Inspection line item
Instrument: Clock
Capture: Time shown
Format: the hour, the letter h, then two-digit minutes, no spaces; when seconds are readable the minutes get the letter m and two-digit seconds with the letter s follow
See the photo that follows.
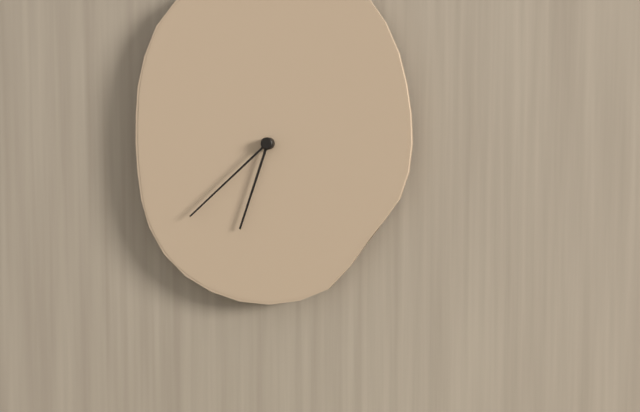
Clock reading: 6h38
